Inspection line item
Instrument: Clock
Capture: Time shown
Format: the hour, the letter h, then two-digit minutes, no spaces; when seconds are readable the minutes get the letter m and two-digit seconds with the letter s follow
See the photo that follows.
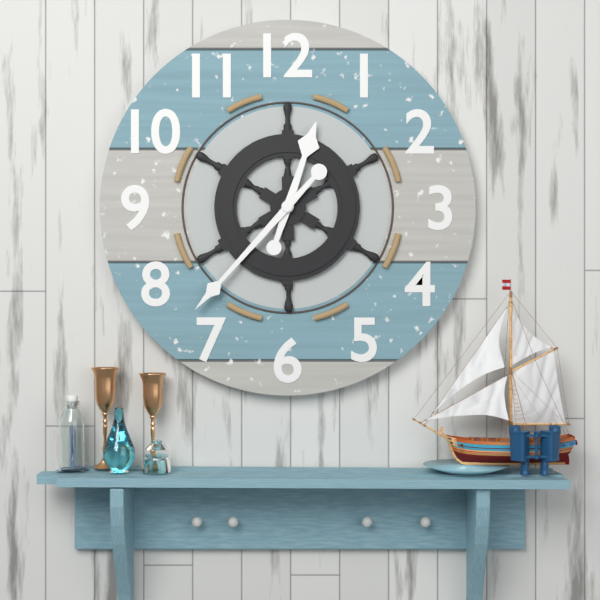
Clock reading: 12h37
